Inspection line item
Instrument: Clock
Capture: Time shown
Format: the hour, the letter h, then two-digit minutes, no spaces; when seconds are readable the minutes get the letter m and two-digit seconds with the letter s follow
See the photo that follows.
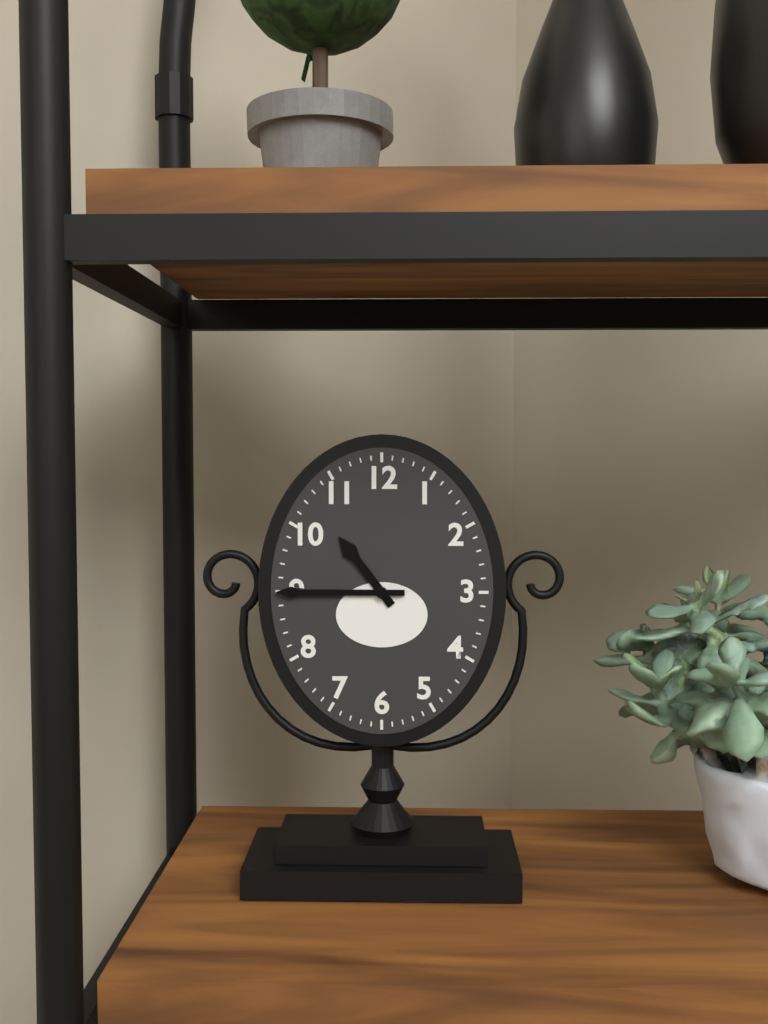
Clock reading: 10h45
